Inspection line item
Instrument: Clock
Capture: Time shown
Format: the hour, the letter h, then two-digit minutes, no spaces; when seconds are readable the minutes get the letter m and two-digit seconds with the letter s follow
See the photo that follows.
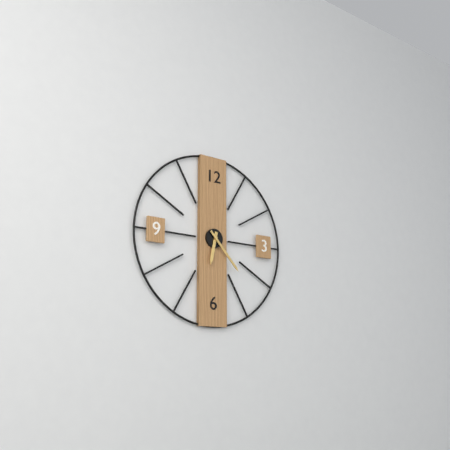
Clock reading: 6h23
